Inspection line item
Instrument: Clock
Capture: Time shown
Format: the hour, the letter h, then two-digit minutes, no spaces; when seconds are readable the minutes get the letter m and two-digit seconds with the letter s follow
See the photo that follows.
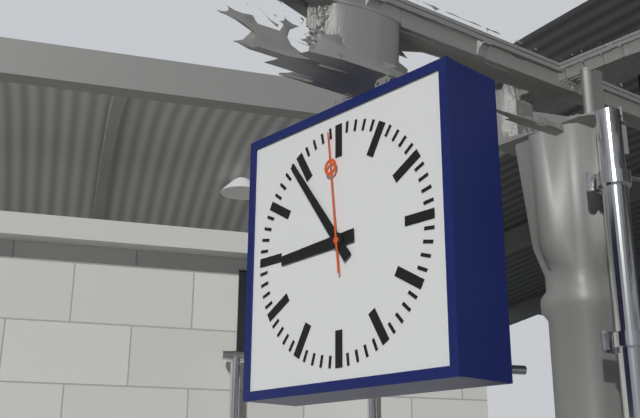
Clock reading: 8h54m59s
